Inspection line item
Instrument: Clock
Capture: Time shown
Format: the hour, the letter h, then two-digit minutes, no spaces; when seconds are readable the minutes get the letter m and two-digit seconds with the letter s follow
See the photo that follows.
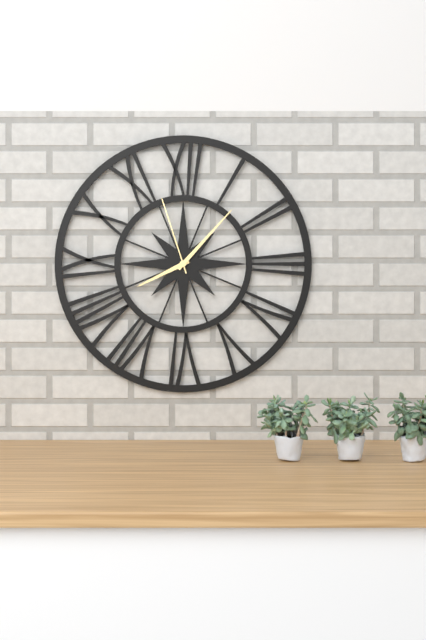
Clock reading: 8h07m57s
